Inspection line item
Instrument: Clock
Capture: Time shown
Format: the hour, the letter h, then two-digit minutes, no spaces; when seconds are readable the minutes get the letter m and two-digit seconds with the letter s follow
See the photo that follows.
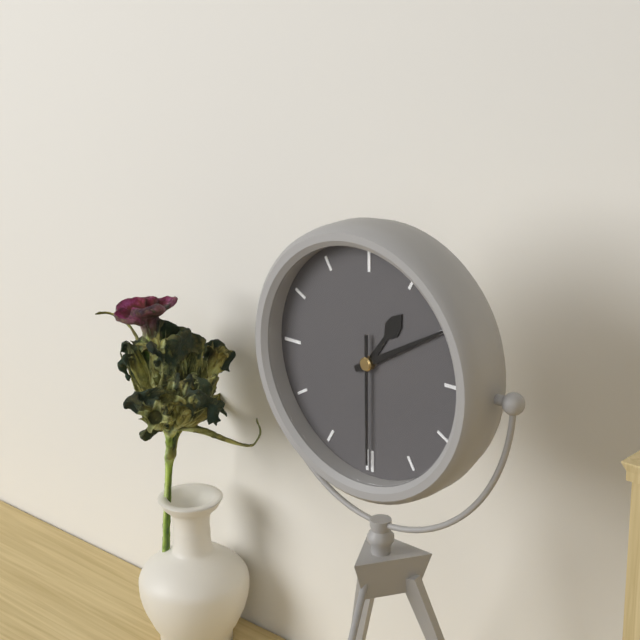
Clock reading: 1h10m30s
